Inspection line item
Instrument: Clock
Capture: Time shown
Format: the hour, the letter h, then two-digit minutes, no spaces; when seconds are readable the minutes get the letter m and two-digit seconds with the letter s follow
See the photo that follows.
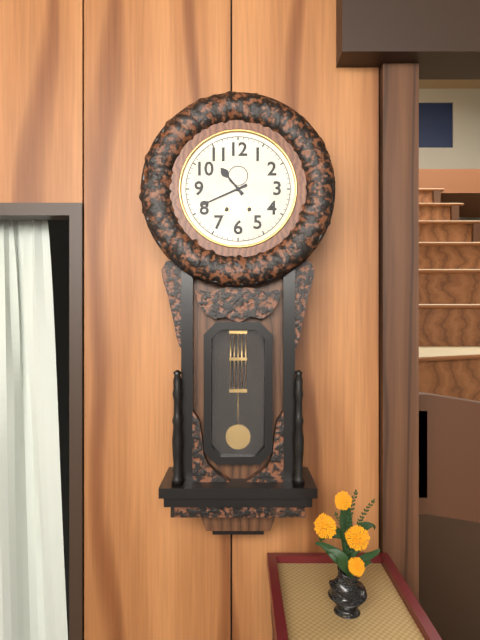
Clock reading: 10h41
